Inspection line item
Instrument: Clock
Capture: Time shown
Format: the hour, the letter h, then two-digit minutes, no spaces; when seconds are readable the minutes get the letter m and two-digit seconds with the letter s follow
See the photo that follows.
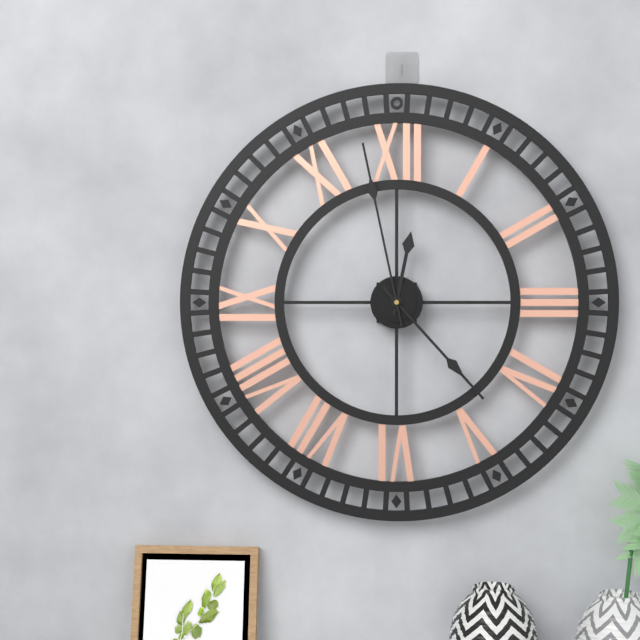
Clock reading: 12h23m58s
